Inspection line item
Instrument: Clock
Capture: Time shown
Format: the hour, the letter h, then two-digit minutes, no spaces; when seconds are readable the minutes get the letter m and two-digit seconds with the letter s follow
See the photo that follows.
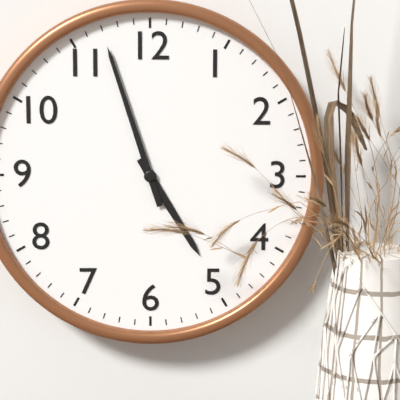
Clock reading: 4h57
